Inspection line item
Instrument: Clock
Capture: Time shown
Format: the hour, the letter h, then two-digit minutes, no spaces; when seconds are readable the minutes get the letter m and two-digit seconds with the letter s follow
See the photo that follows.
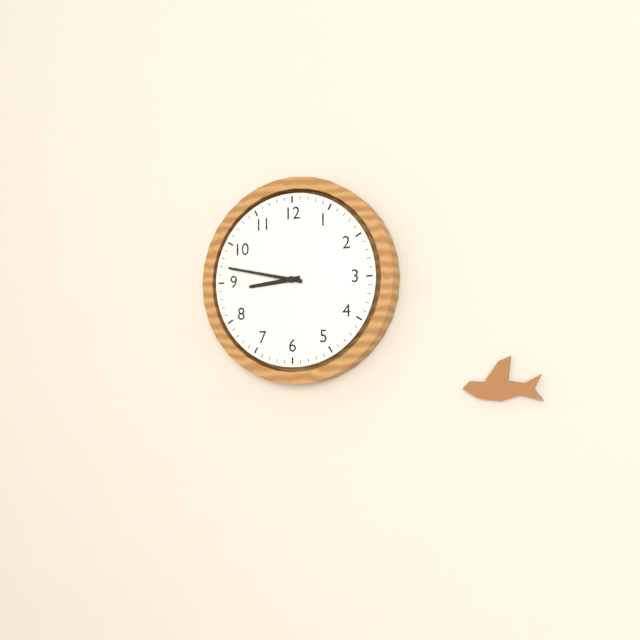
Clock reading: 8h47
